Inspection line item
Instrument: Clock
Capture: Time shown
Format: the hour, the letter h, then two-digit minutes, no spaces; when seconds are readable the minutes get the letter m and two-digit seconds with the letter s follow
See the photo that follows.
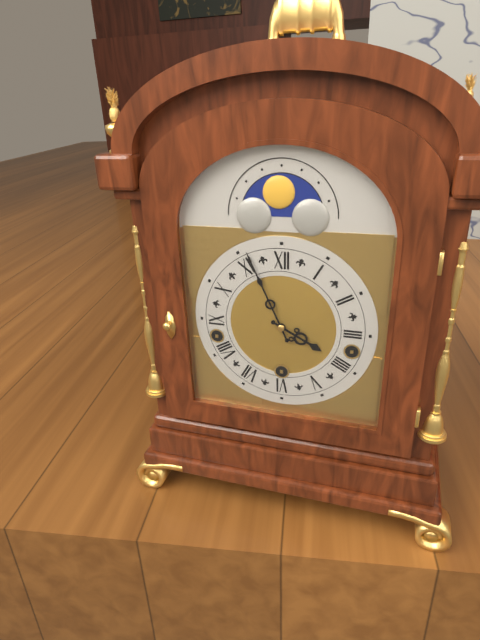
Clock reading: 3h56
